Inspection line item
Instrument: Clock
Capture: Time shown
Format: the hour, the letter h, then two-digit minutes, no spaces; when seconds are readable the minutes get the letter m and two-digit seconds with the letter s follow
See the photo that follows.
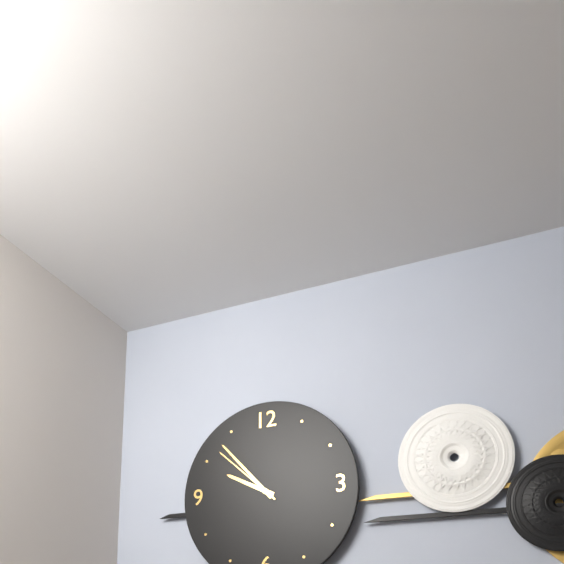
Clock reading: 9h53m52s
